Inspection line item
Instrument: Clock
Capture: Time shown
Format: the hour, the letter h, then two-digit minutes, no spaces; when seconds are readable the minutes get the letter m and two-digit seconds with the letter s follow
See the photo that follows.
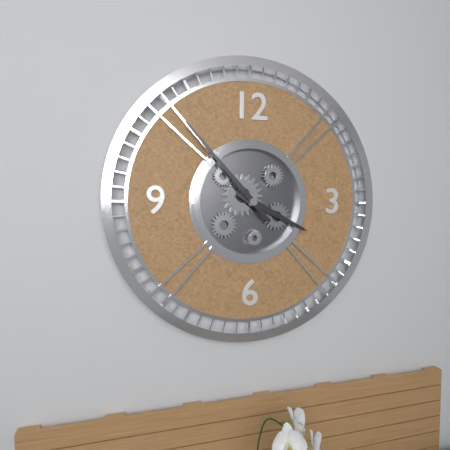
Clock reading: 3h53
